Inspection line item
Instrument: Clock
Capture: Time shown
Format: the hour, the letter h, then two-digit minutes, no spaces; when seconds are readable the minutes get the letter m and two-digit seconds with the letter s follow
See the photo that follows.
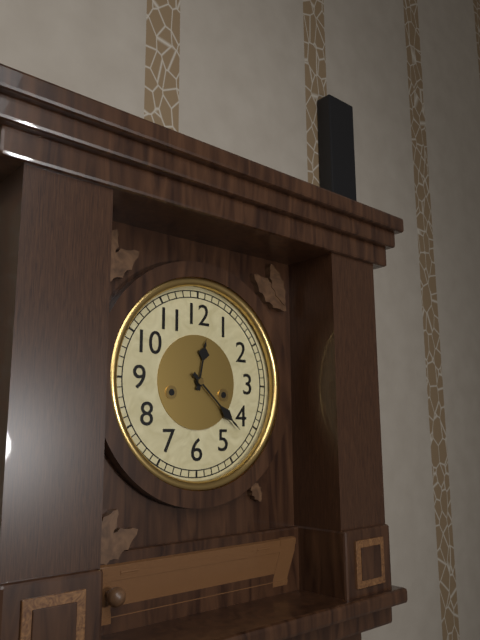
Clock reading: 12h22
